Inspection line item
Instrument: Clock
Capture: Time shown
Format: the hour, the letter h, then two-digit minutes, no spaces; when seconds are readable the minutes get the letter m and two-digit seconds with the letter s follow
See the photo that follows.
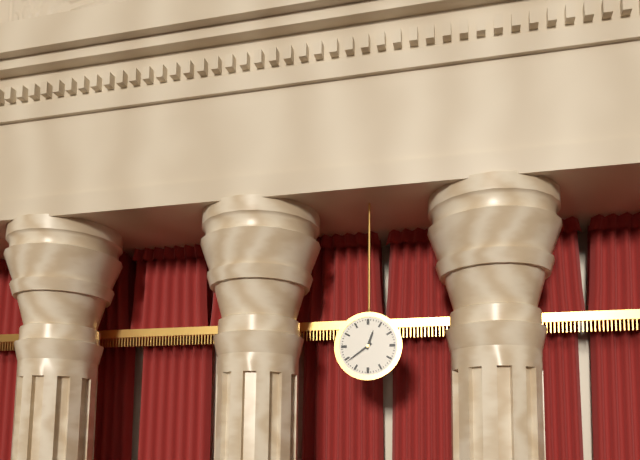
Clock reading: 12h39
